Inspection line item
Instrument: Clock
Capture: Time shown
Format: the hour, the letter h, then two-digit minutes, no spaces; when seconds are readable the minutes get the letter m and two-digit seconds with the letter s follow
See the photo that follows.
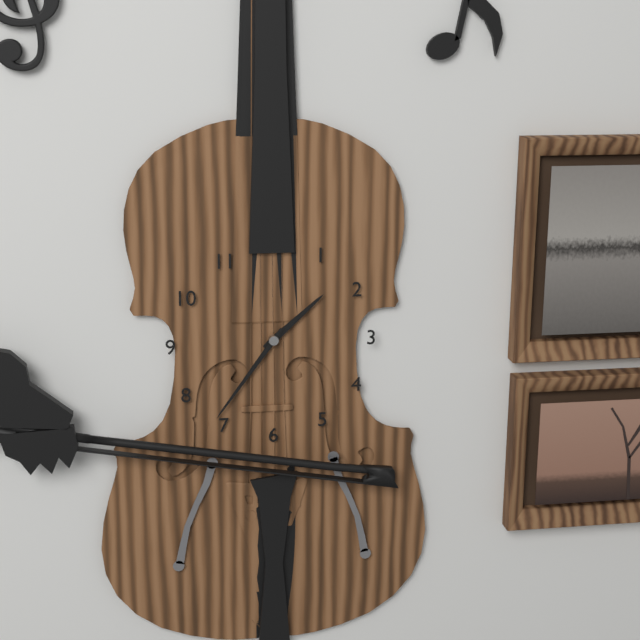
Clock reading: 1h36
